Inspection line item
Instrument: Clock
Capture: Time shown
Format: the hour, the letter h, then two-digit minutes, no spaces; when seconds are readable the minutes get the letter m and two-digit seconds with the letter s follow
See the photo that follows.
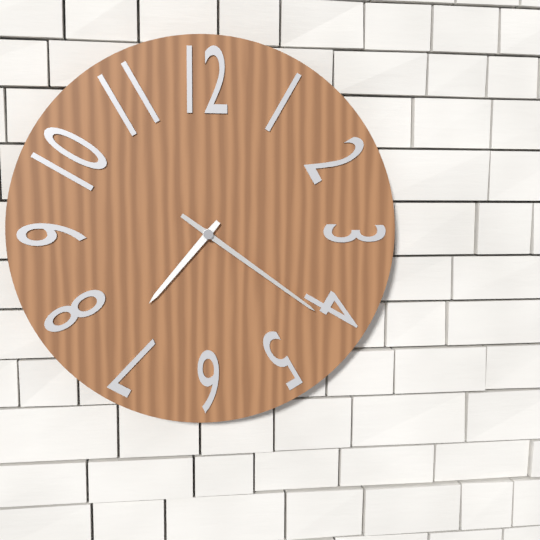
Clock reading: 7h21
